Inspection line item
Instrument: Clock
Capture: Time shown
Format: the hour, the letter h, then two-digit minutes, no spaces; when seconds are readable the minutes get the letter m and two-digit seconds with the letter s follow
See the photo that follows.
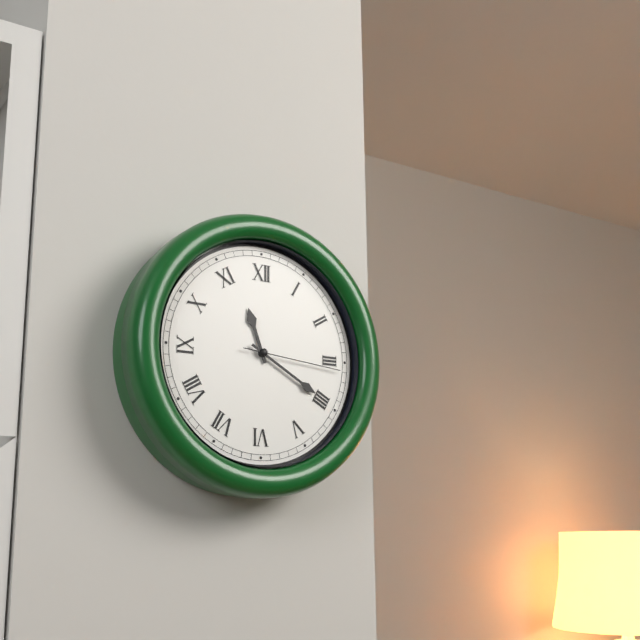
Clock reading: 11h20m16s
